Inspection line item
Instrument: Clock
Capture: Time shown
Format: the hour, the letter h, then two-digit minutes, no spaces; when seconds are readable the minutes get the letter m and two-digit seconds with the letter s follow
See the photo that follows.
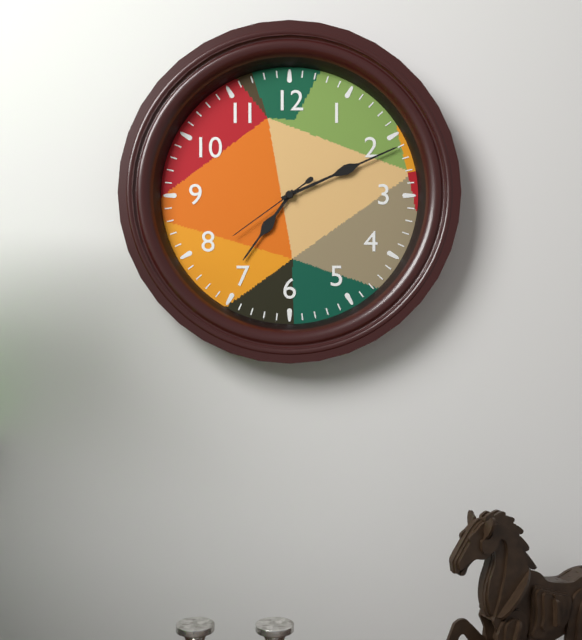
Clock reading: 7h11m39s
